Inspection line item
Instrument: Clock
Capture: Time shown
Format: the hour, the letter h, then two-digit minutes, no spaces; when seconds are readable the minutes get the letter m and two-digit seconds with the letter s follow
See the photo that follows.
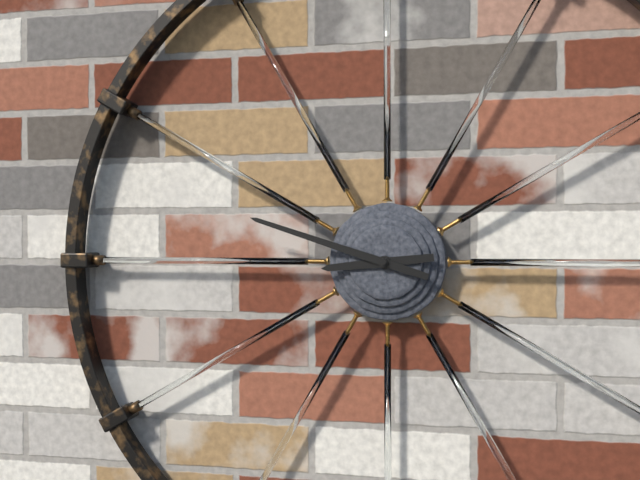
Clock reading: 8h48
